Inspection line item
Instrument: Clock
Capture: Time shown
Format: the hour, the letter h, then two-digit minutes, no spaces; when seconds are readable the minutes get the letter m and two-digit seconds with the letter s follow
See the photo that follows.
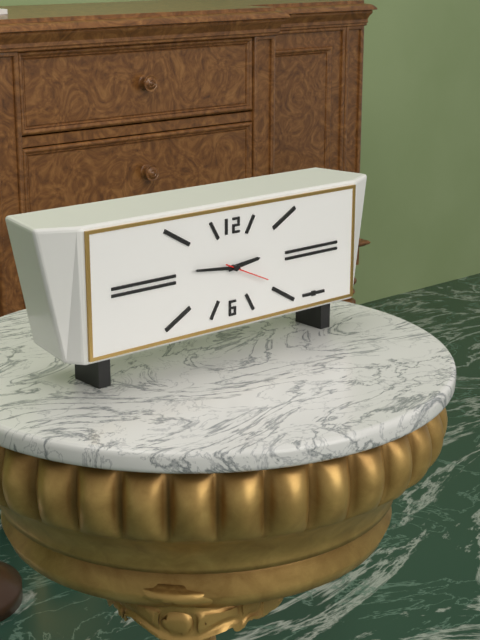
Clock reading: 2h46m19s
